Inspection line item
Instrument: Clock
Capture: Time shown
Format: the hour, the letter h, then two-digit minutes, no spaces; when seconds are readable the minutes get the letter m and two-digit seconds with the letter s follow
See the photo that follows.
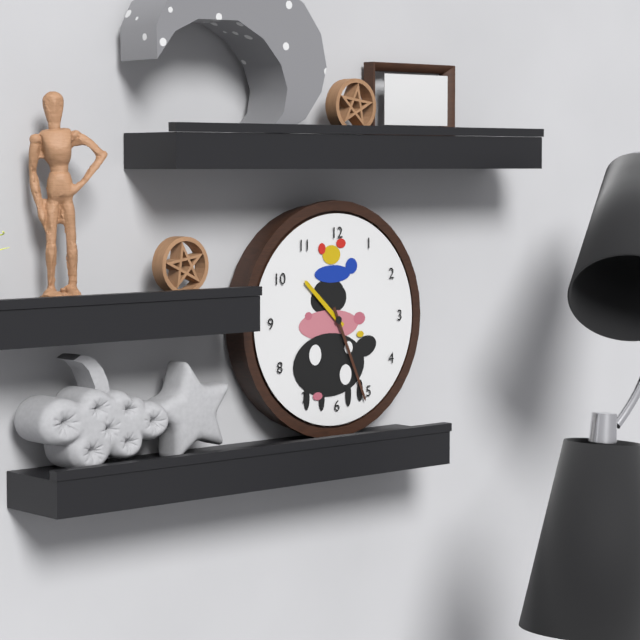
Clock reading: 10h26
